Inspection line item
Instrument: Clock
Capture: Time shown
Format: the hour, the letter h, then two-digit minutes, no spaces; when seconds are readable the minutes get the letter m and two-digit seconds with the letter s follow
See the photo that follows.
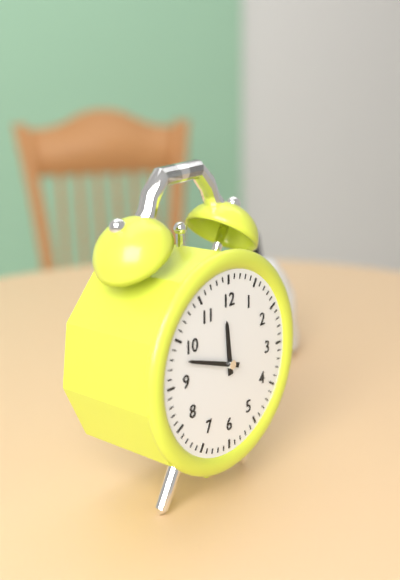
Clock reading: 11h48
